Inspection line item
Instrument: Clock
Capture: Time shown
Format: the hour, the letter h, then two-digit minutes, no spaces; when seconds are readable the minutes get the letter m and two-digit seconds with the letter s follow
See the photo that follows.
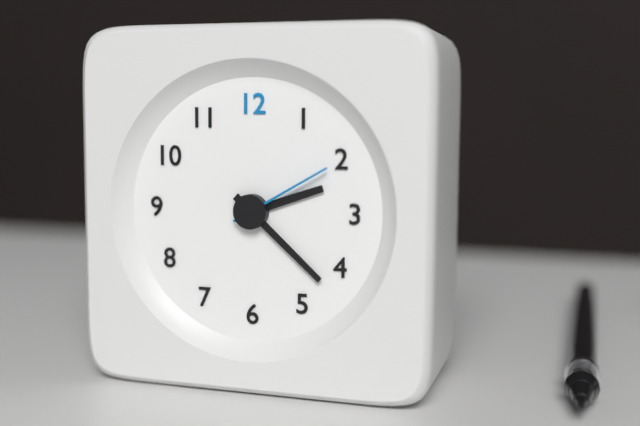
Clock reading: 2h22m10s
